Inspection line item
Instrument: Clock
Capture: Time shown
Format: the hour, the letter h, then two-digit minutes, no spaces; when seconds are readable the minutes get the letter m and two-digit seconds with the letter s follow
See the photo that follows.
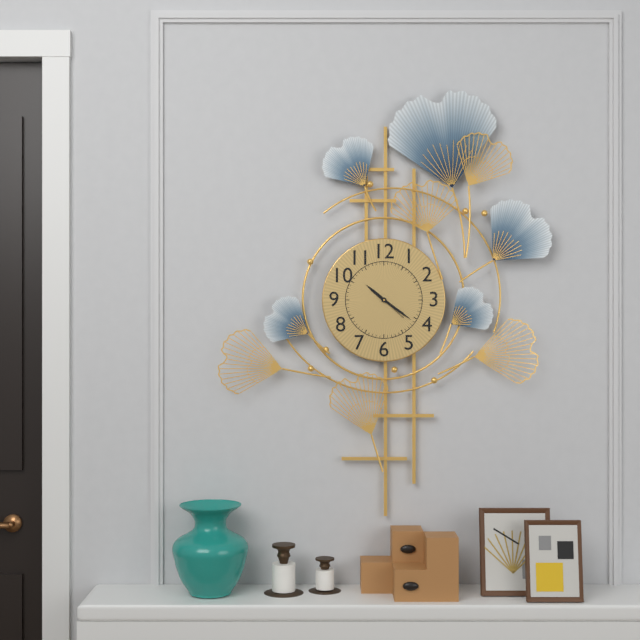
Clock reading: 10h21
